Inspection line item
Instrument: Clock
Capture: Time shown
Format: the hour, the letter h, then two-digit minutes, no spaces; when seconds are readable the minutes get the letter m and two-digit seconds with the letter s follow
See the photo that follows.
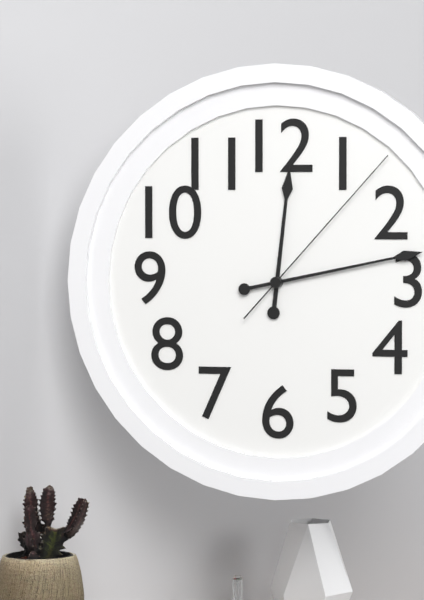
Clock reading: 12h13m07s
